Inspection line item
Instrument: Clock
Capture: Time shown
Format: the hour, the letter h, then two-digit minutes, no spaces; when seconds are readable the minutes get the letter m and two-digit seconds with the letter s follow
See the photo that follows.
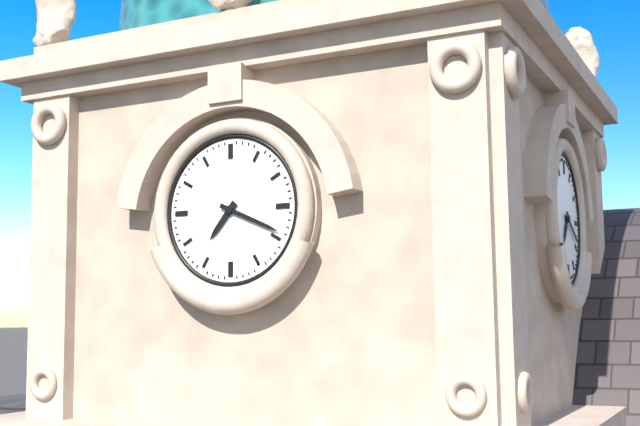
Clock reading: 7h19
